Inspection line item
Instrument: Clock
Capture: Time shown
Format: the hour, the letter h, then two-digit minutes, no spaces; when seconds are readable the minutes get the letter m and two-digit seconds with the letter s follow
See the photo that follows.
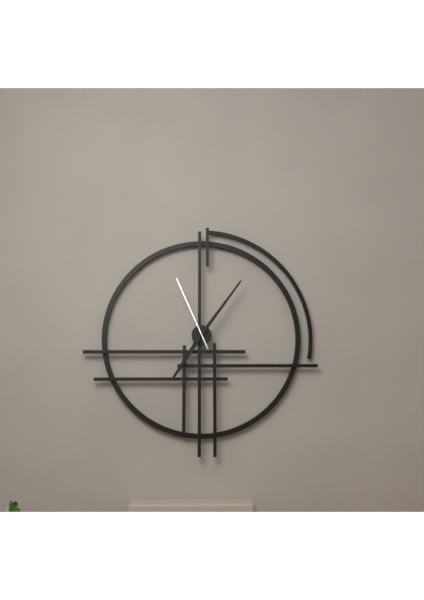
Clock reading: 7h06m56s
